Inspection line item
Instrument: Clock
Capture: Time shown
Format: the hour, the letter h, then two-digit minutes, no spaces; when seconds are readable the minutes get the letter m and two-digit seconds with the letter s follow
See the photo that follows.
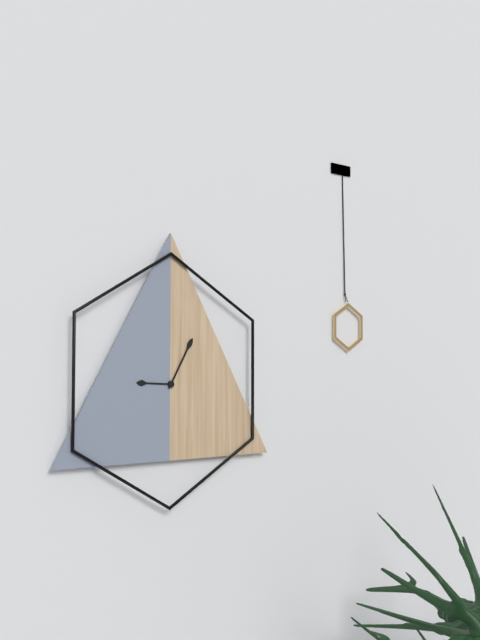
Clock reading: 9h05
